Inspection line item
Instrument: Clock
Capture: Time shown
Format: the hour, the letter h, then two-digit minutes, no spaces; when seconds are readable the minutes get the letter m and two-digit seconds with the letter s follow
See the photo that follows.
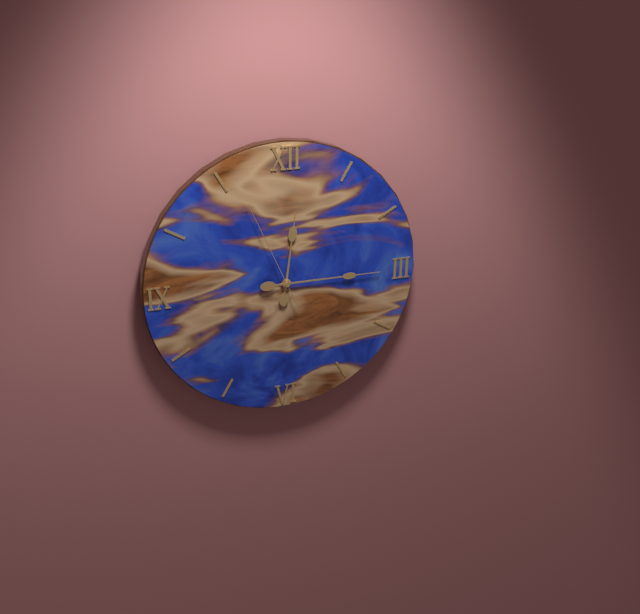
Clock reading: 12h15m56s
